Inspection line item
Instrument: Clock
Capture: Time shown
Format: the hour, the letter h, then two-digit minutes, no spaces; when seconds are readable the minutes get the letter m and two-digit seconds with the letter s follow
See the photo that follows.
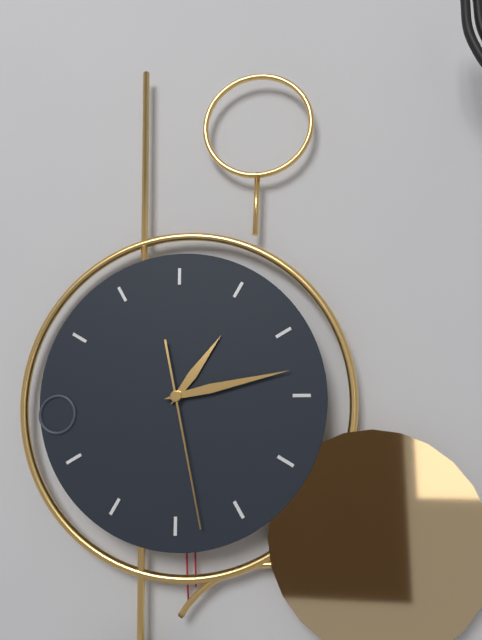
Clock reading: 1h13m28s
